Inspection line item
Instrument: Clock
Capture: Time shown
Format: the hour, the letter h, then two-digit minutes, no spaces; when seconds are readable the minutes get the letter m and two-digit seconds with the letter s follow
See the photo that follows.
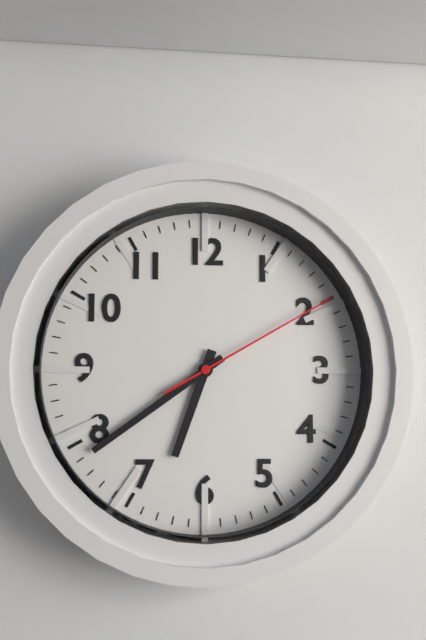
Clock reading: 6h39m10s
